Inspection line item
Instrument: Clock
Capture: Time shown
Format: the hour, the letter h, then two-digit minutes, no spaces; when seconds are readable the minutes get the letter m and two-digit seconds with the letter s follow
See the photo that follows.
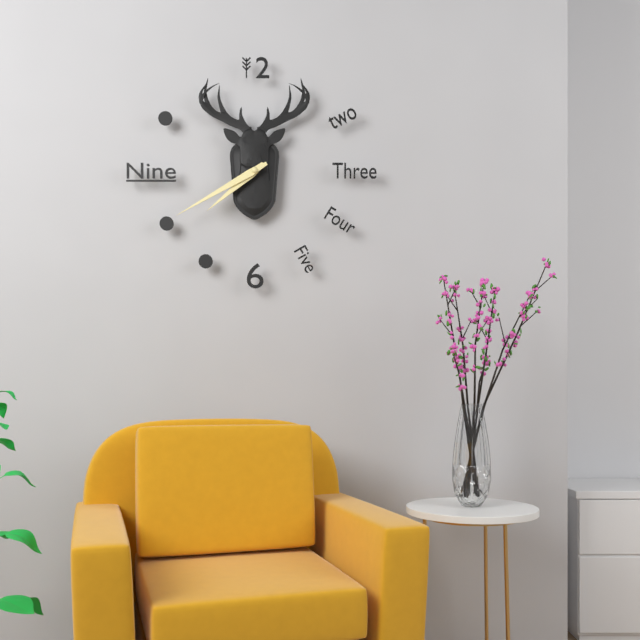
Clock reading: 7h40
